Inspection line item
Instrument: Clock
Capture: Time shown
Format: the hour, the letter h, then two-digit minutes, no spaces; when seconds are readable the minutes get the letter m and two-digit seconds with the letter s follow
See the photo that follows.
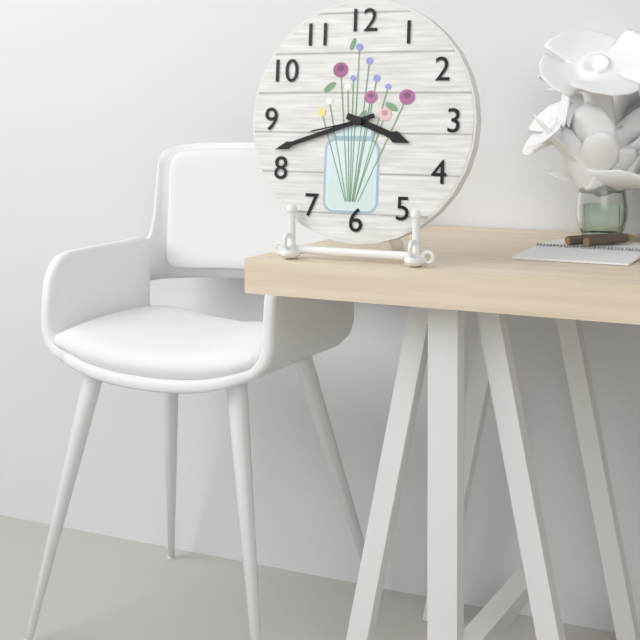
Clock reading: 3h42m43s
